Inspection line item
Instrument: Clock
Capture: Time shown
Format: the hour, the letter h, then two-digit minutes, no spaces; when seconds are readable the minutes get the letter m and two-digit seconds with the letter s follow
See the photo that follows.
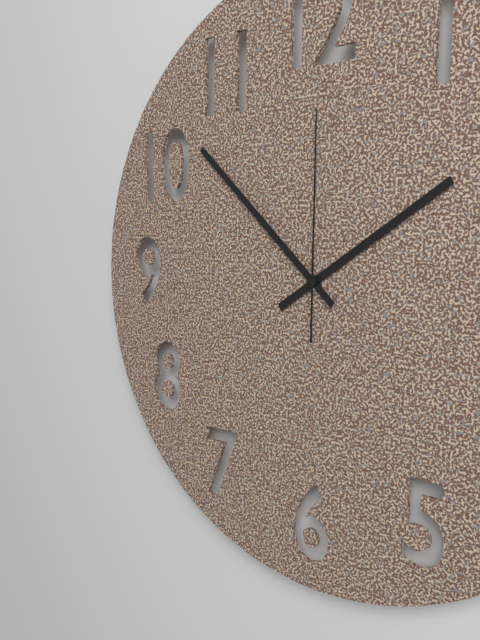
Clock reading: 1h52m00s
